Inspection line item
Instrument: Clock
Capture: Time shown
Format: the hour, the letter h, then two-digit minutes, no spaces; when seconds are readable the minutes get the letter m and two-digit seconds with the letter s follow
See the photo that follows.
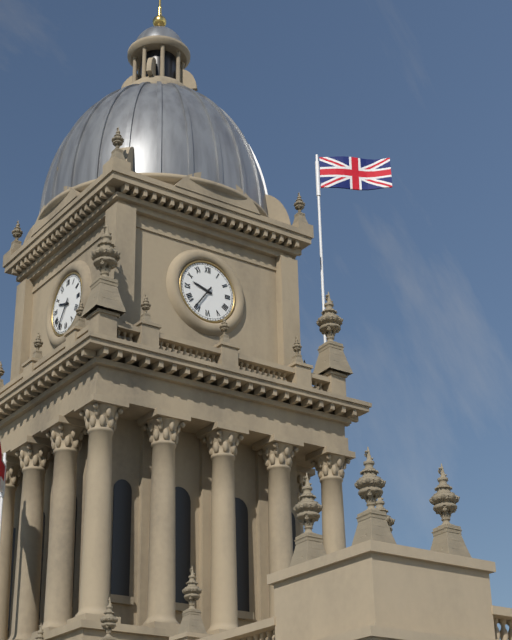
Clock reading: 9h36
